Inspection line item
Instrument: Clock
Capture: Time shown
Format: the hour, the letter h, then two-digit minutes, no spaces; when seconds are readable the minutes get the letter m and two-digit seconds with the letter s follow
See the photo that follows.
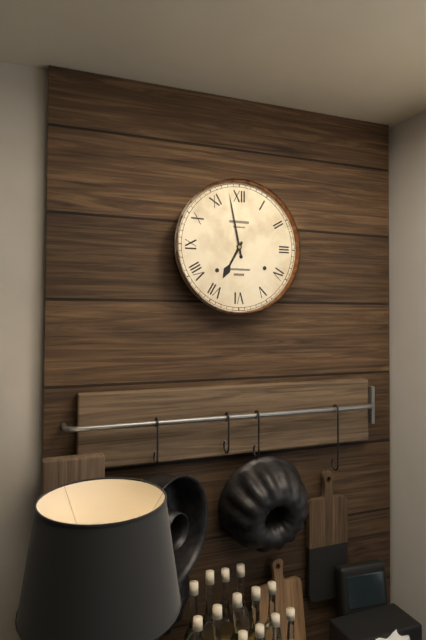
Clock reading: 6h58
